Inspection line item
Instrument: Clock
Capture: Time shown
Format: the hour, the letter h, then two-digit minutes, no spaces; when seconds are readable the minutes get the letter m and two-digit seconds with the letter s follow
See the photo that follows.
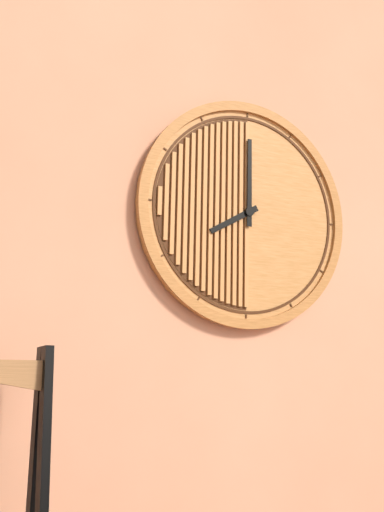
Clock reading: 8h00
